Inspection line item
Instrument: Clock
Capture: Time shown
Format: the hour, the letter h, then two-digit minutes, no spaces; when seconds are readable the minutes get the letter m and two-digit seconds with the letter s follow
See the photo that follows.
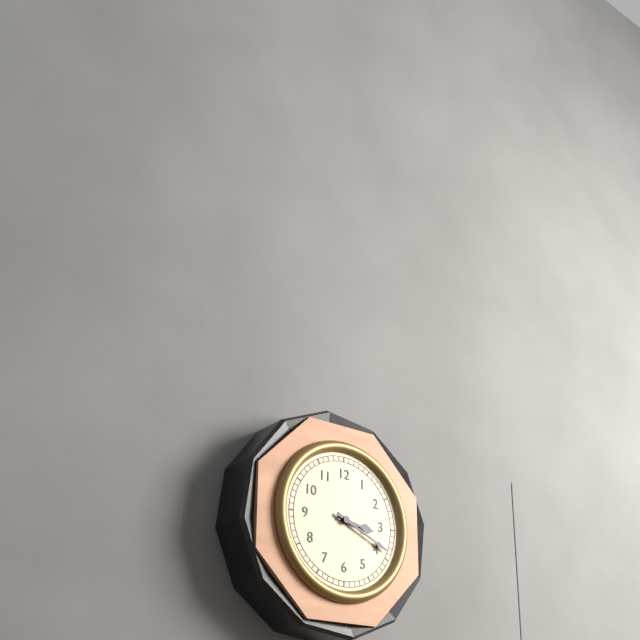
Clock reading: 3h19
